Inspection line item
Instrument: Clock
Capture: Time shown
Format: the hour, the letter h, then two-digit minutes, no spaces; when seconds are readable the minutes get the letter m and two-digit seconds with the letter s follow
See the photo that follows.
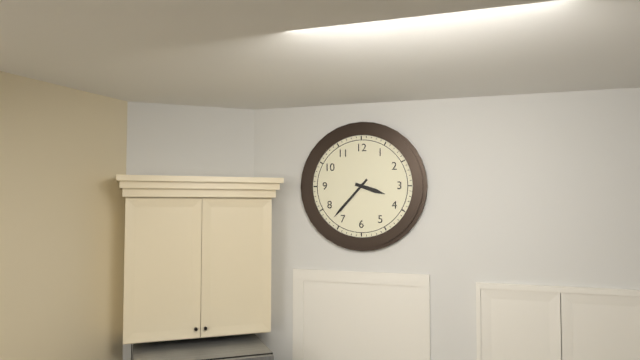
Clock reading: 3h37
